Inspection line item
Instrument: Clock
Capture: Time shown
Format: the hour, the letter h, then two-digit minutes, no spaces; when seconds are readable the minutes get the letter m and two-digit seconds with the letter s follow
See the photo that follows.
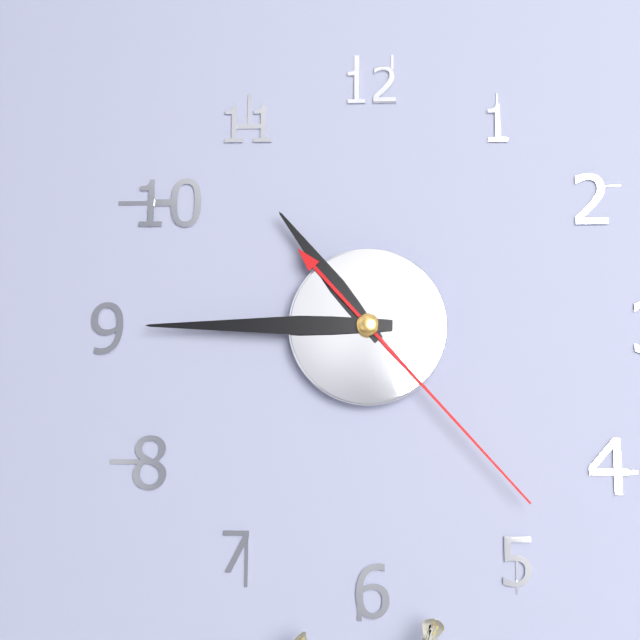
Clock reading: 10h45m23s
